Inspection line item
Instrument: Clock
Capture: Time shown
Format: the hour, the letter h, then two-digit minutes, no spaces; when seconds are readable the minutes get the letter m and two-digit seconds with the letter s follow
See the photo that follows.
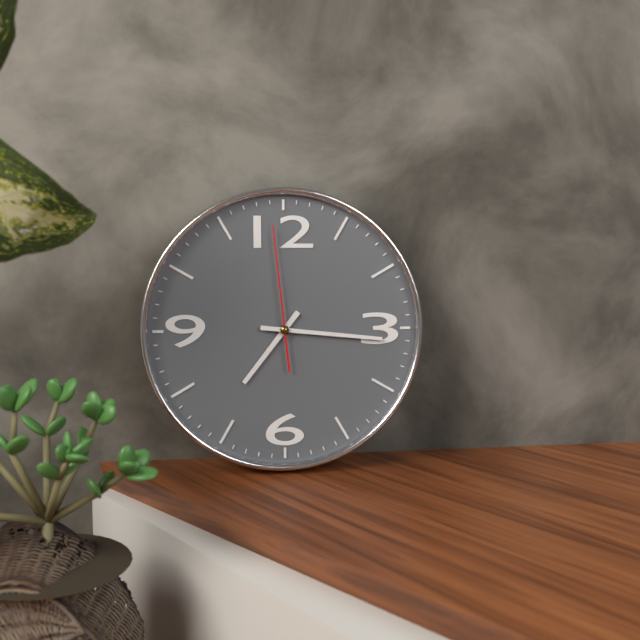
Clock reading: 7h16m59s
